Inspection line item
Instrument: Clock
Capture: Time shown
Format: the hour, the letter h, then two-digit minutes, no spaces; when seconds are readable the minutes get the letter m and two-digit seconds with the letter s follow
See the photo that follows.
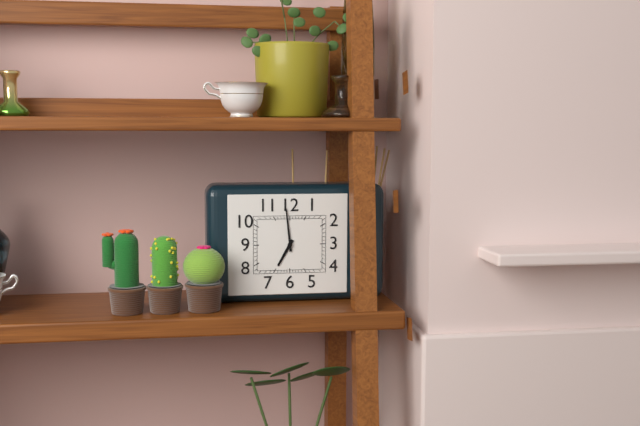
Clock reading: 6h59
